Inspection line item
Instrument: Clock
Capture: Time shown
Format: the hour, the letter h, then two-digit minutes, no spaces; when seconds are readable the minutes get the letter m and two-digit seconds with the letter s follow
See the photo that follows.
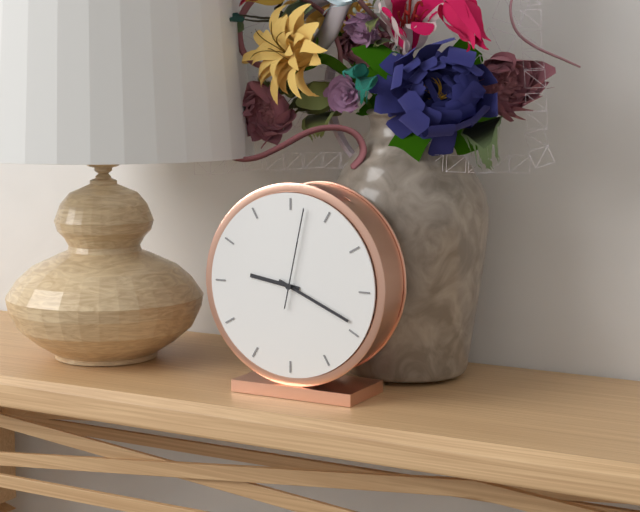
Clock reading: 9h19m02s
